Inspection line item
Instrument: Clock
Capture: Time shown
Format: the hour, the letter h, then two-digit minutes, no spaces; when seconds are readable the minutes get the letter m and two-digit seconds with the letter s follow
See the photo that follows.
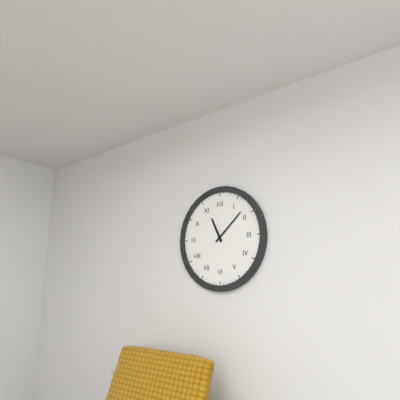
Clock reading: 11h08
